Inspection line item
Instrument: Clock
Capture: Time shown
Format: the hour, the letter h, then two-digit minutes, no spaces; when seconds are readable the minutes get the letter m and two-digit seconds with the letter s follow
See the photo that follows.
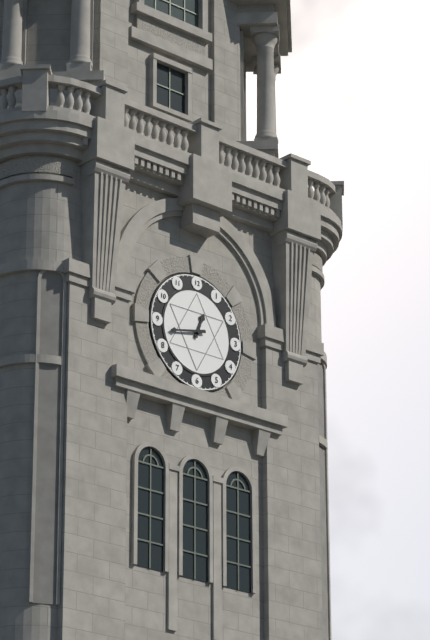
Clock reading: 12h43
